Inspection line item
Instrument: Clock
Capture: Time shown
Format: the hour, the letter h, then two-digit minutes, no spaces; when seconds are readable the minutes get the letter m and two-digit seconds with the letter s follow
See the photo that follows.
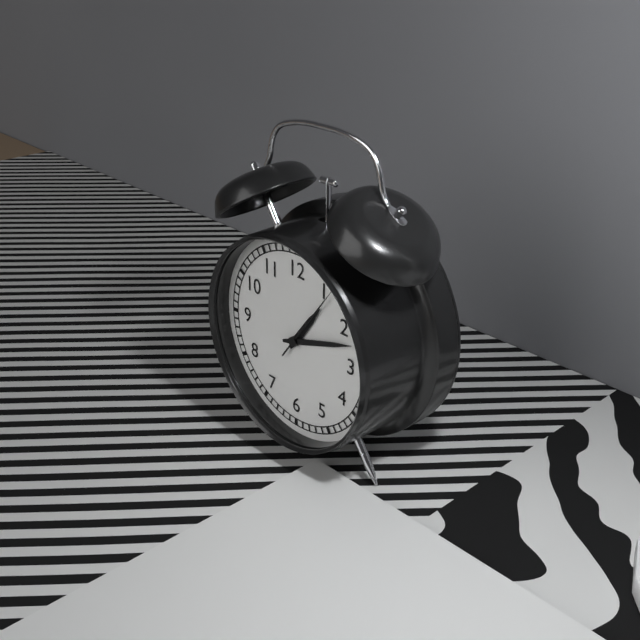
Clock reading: 1h12m06s
